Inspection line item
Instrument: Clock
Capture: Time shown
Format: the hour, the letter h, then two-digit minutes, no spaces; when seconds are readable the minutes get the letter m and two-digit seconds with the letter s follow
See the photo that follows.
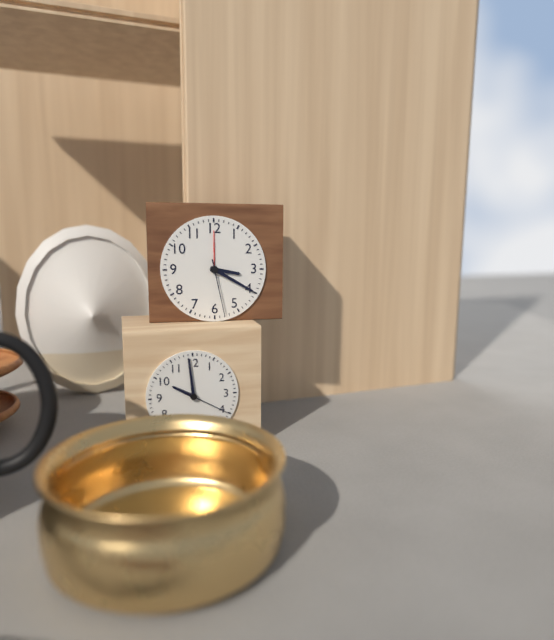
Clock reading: 3h20m28s
